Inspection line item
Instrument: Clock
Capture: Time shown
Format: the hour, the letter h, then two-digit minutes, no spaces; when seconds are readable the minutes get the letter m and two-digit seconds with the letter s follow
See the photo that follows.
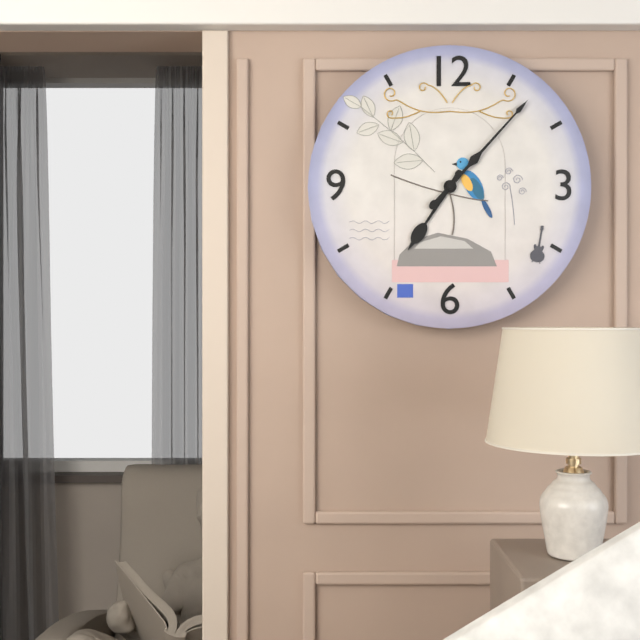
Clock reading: 7h07
